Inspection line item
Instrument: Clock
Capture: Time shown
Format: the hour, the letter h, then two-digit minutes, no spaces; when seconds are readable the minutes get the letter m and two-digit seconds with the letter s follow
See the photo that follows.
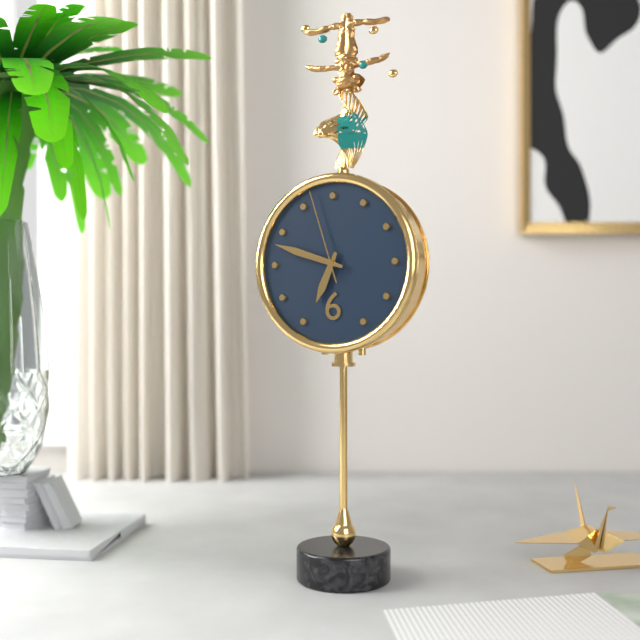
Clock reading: 6h48m57s
